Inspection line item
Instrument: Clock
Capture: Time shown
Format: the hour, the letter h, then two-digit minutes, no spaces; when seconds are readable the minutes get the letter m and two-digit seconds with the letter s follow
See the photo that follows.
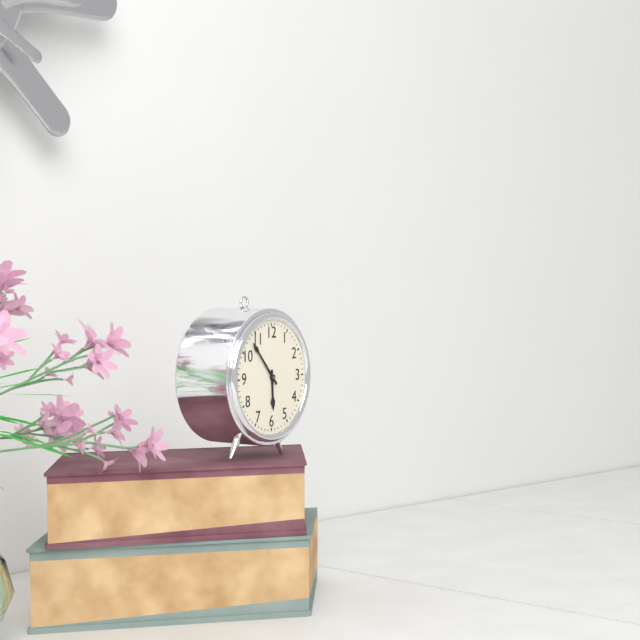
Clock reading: 5h53
